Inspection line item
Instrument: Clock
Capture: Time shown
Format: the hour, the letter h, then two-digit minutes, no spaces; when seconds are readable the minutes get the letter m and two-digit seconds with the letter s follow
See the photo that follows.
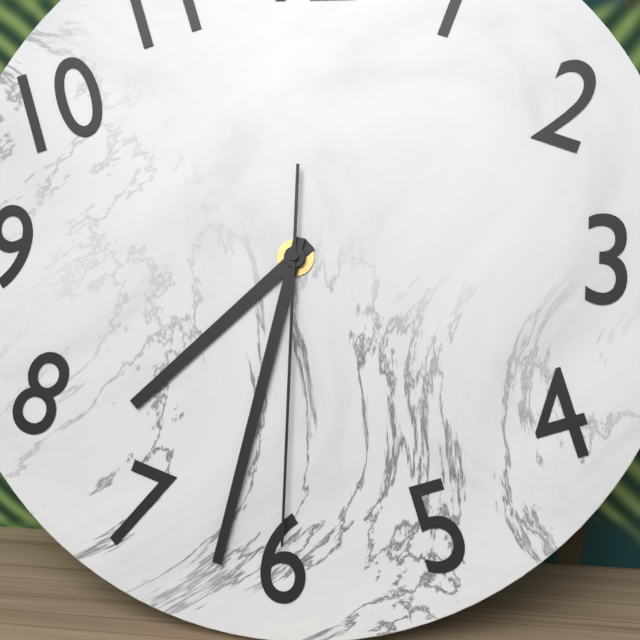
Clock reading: 7h32m30s
